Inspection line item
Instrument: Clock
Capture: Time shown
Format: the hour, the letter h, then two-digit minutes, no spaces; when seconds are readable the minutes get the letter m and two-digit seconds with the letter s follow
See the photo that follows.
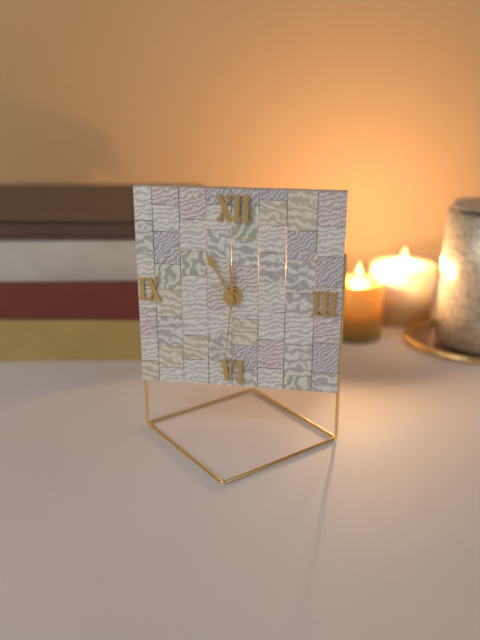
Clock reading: 11h55m31s
